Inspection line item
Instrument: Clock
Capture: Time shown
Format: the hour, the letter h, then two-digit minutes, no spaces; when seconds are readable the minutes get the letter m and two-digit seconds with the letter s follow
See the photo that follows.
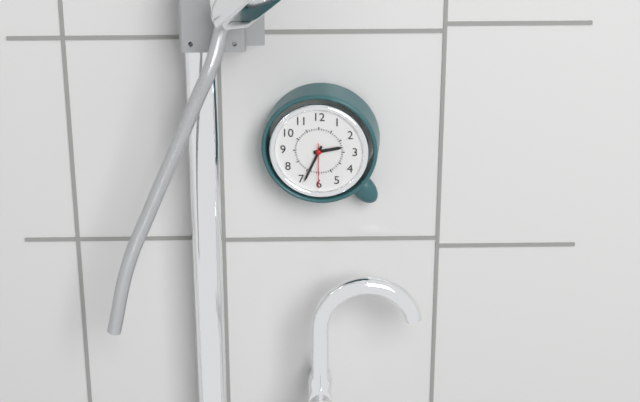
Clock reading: 2h34
